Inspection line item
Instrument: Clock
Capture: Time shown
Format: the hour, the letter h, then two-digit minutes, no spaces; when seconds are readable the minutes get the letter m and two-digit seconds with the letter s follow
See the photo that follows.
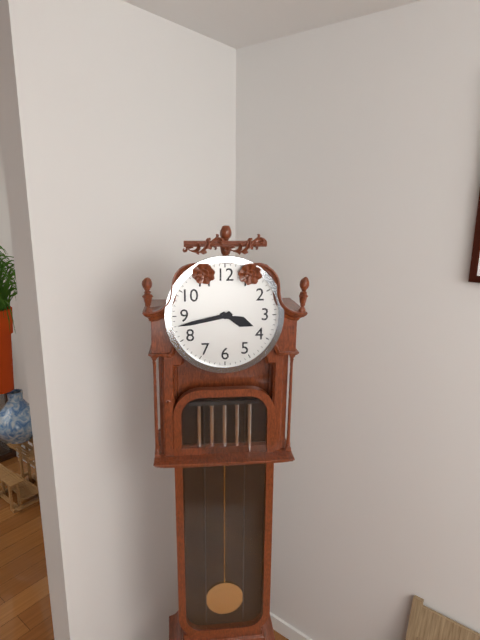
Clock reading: 3h43
